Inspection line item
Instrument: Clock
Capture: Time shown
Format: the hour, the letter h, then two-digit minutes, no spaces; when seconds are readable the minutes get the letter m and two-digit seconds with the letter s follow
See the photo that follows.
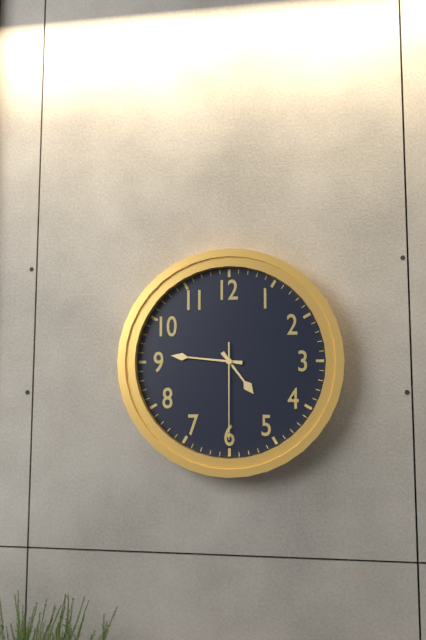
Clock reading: 4h46m30s
